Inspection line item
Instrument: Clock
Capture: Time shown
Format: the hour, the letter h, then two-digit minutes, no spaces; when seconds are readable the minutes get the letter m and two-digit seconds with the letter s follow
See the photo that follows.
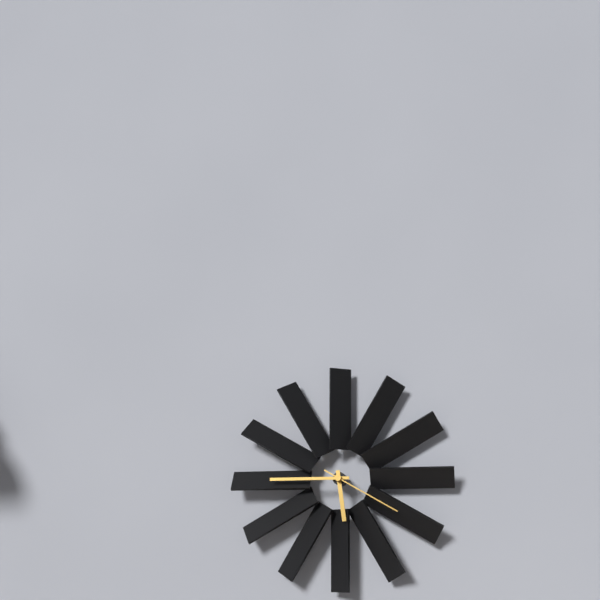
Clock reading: 5h45m20s
